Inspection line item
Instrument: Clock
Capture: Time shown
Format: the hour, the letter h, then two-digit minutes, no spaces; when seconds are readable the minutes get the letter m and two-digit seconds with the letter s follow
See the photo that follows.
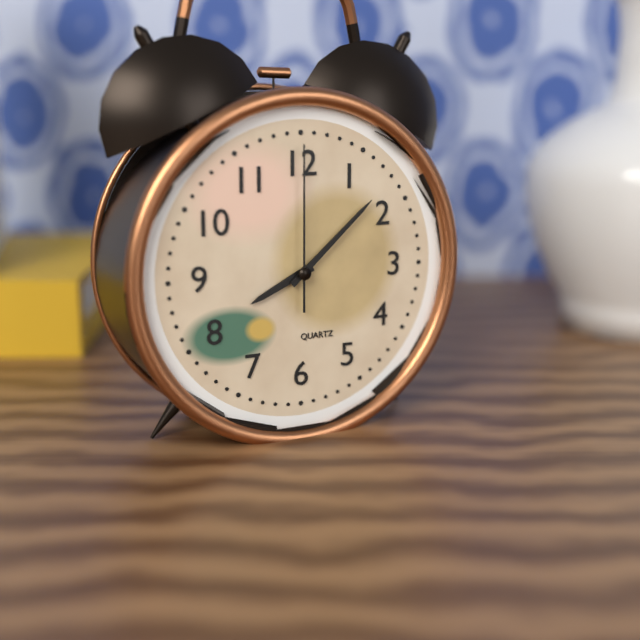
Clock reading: 8h08m00s
